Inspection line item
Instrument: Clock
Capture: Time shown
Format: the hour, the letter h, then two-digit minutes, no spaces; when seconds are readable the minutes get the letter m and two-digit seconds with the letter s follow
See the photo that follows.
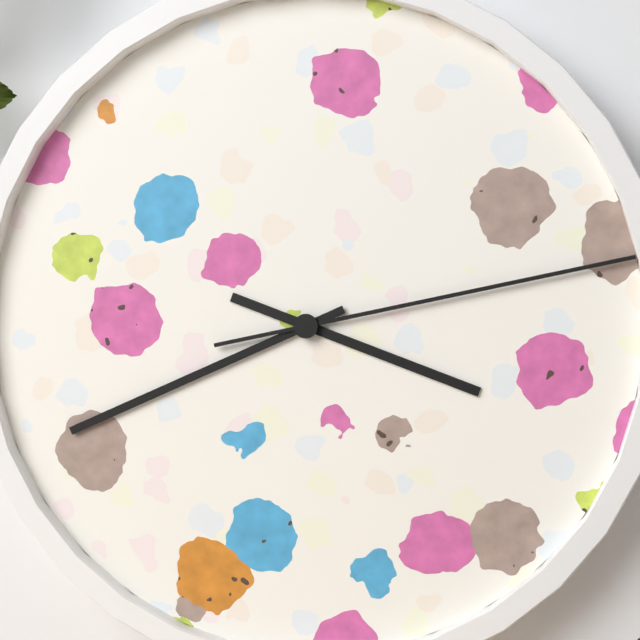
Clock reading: 3h41m13s
